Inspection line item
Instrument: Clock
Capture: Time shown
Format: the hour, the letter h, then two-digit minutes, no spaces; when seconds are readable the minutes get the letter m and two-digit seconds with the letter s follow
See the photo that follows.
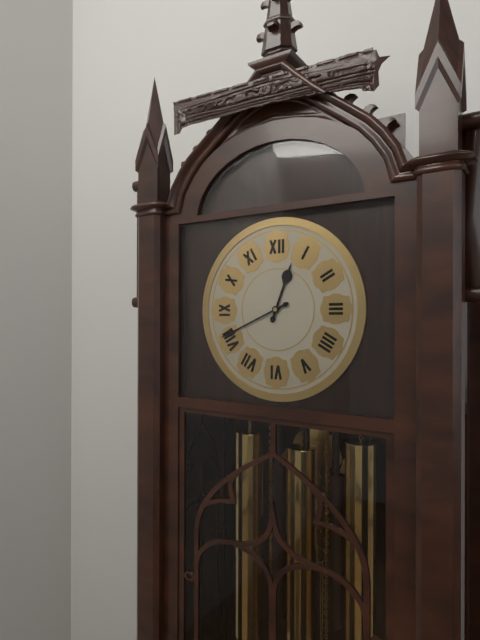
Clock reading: 12h41
